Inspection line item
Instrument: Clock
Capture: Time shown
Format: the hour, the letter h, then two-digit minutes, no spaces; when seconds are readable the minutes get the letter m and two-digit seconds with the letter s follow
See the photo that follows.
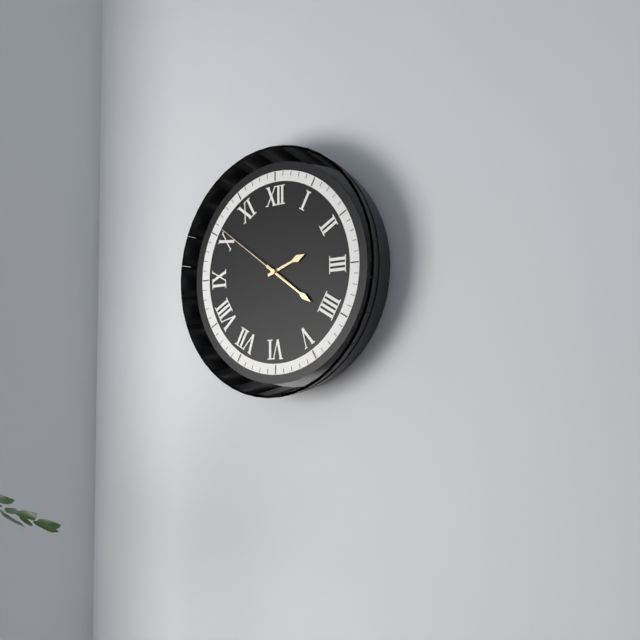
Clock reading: 2h21m51s
